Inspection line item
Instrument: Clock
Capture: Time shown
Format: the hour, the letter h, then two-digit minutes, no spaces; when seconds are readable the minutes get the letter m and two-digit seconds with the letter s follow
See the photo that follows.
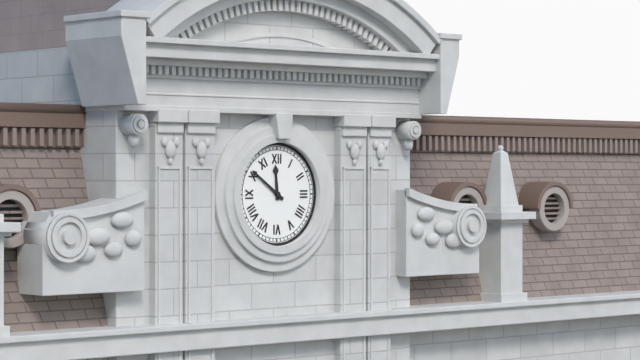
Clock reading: 11h51
